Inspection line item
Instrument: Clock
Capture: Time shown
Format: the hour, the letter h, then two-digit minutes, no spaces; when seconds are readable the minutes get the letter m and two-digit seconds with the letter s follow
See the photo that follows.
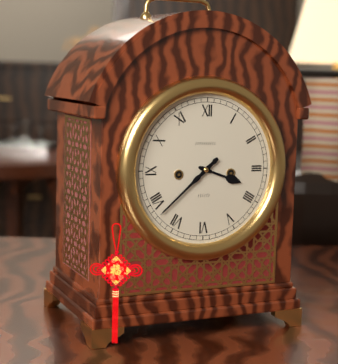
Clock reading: 3h38
